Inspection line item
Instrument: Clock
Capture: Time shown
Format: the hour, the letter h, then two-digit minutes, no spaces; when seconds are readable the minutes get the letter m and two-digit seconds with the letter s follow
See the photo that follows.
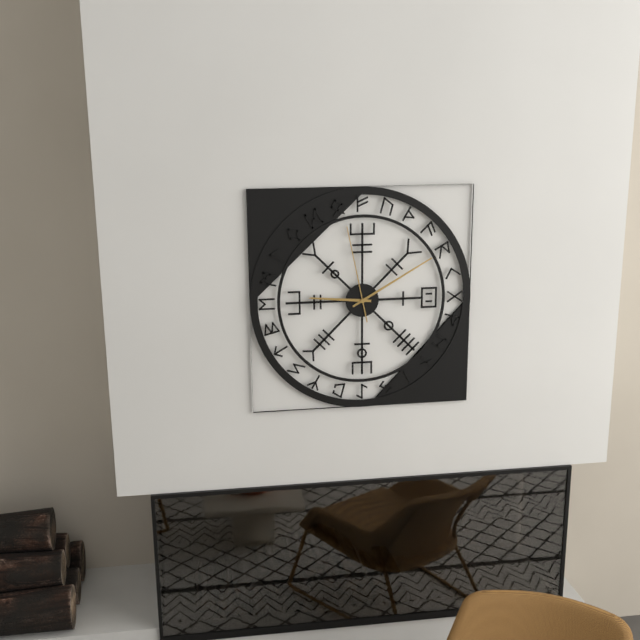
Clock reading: 9h10m58s
